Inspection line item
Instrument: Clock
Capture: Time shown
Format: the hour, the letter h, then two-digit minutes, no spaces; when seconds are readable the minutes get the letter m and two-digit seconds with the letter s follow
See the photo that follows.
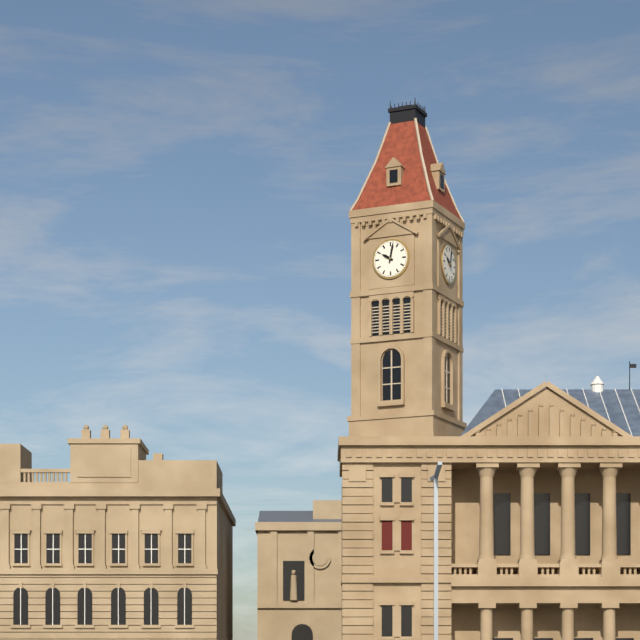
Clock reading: 10h02
